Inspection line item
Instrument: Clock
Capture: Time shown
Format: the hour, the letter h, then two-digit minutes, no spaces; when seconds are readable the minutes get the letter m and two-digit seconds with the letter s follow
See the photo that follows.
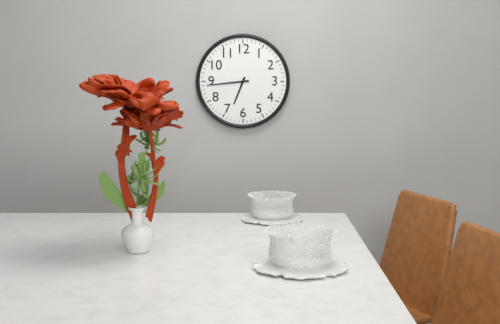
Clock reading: 6h44
